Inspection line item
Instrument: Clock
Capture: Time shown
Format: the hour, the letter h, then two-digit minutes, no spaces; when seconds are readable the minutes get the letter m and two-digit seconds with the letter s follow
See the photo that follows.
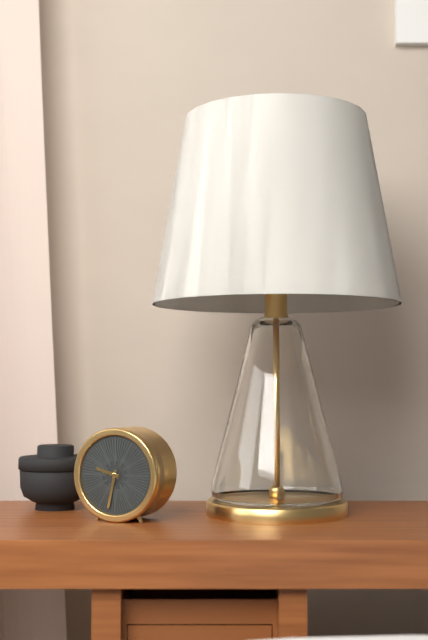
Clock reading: 9h32
